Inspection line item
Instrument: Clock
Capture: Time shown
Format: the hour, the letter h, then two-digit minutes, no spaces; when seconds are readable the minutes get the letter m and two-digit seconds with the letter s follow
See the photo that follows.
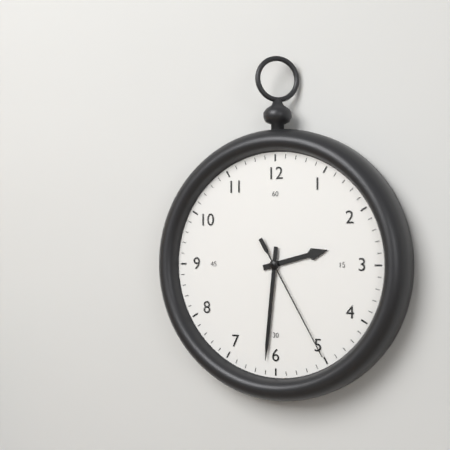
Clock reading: 2h31m25s
